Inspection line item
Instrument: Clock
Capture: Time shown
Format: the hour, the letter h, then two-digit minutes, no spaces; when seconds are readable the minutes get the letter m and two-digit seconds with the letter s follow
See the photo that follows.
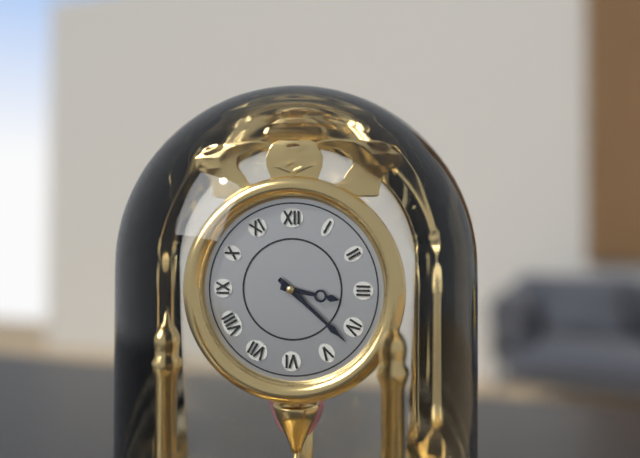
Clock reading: 3h22
